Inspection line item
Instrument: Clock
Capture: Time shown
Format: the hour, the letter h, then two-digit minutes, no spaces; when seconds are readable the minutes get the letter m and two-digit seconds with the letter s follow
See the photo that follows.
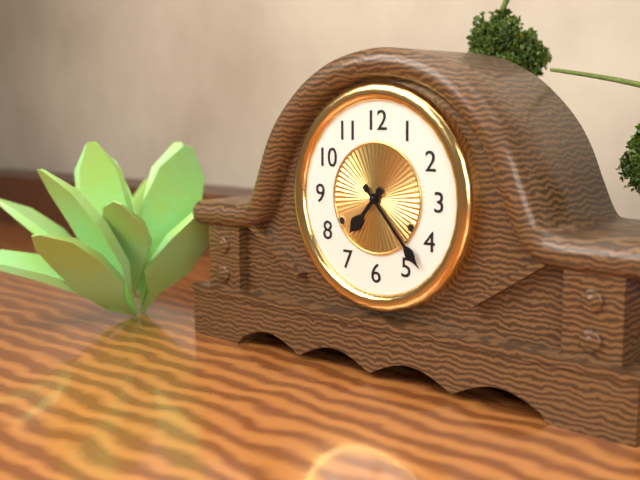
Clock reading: 7h23
